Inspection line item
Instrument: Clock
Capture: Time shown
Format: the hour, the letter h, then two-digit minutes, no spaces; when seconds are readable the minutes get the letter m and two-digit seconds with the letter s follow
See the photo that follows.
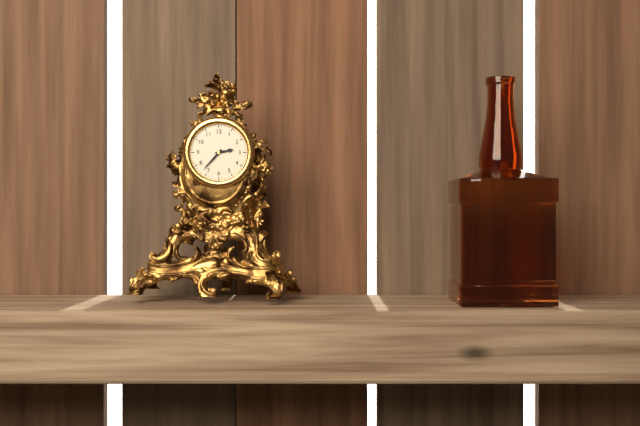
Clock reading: 2h37
